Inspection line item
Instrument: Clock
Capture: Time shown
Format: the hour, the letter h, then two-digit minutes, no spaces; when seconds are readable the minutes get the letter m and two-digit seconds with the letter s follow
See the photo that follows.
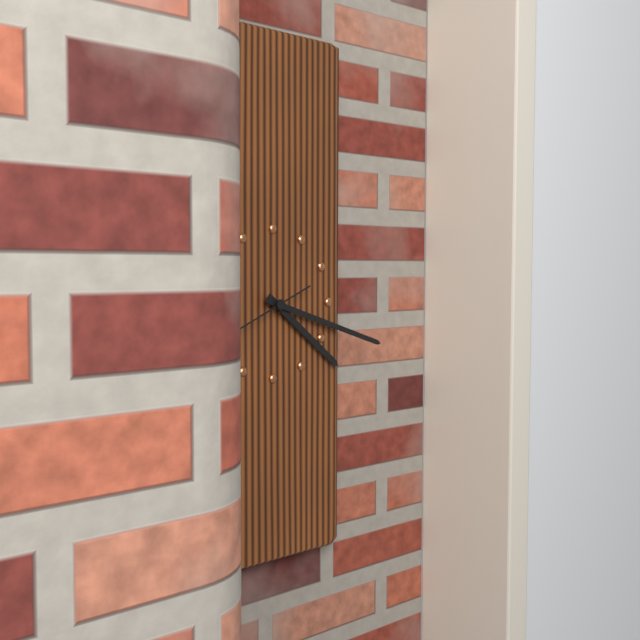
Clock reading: 4h18
